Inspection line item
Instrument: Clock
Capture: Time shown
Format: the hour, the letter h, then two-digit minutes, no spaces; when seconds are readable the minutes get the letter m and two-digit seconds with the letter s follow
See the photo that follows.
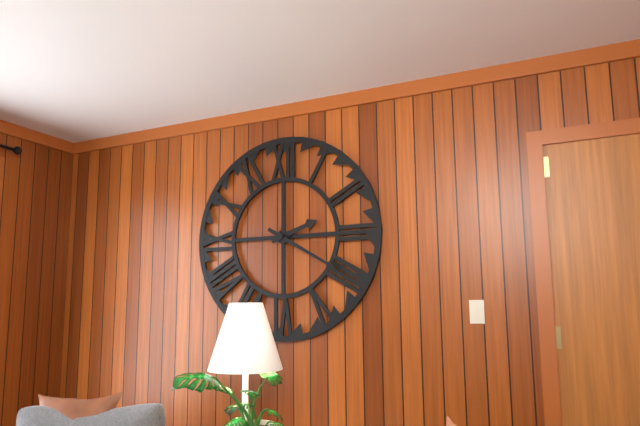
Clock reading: 2h20
